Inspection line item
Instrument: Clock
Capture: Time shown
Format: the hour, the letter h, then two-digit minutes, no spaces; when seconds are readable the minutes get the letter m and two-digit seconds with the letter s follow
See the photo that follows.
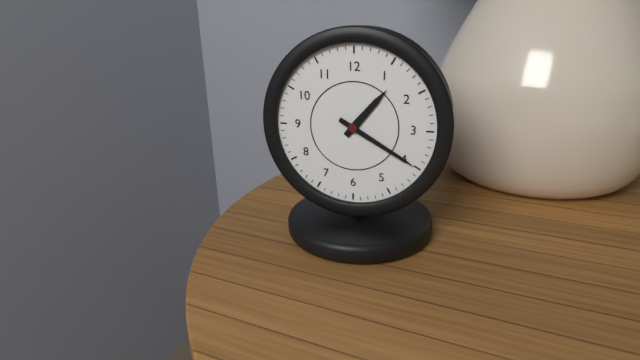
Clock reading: 1h20
